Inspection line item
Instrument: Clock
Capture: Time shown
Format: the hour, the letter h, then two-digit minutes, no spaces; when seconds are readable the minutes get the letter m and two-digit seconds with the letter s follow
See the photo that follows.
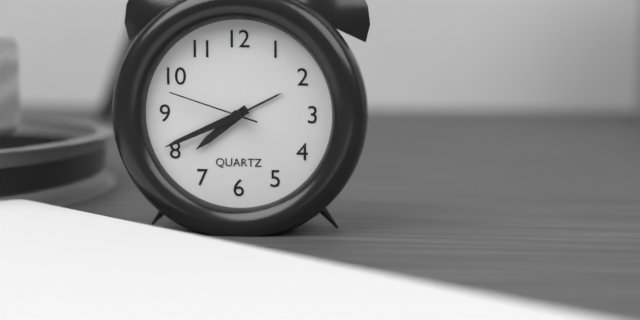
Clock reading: 7h41m48s
